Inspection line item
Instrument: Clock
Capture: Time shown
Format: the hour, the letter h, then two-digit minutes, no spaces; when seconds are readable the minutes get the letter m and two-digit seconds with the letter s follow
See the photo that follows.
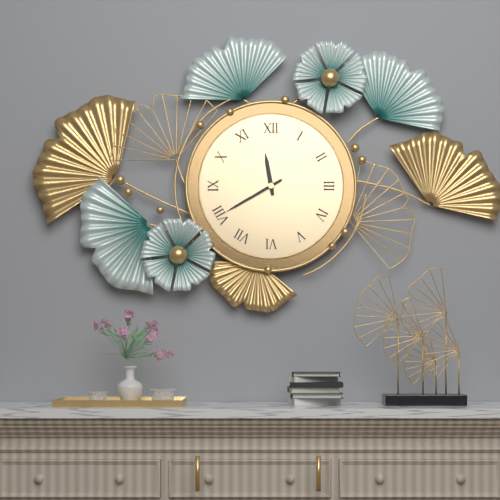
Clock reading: 11h40
